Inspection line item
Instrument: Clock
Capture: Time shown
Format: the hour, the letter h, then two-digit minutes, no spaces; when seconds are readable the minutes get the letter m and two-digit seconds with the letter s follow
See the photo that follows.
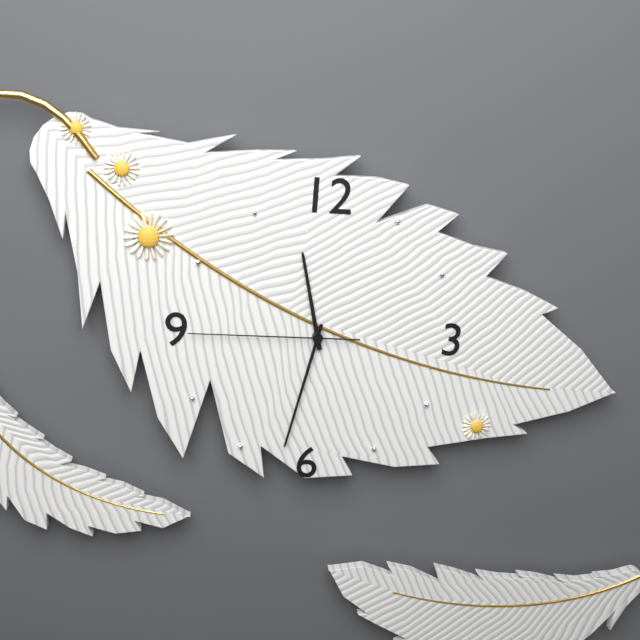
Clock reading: 11h32m45s
